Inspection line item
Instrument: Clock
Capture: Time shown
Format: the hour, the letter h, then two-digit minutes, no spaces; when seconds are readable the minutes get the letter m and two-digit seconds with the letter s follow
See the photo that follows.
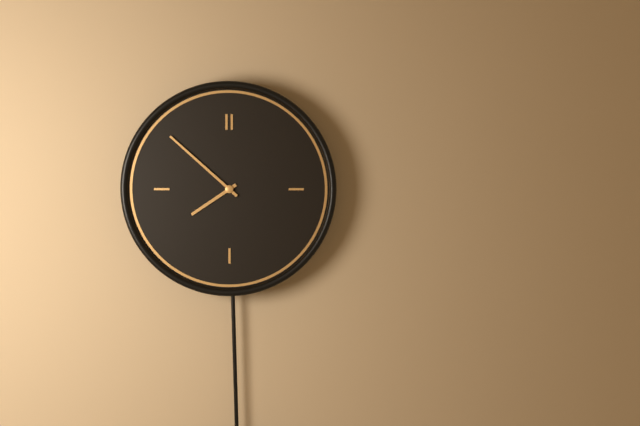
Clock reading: 7h52
